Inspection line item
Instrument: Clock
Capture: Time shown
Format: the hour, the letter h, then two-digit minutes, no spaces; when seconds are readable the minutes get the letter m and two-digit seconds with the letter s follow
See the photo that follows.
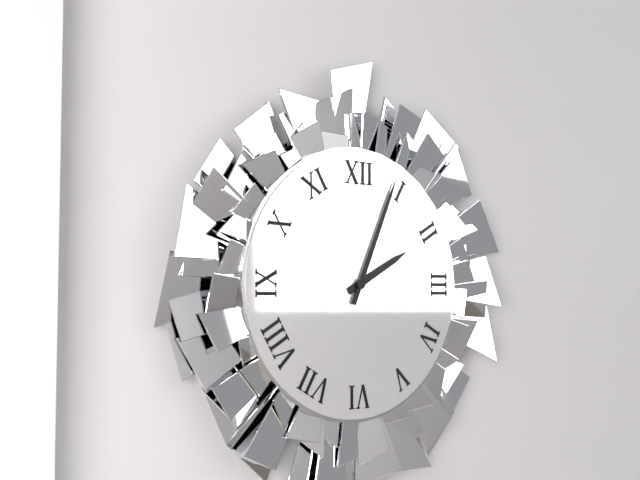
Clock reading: 2h04
